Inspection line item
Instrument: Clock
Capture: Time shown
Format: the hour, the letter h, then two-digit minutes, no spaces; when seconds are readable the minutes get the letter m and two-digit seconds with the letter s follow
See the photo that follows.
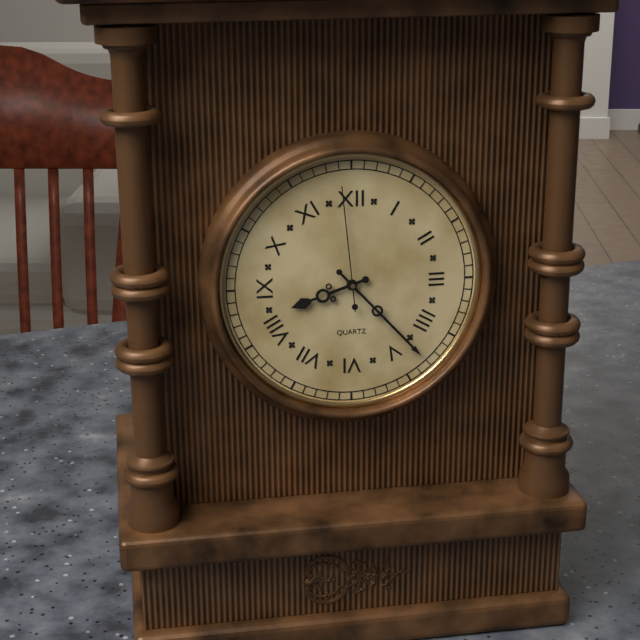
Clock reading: 8h23m59s
